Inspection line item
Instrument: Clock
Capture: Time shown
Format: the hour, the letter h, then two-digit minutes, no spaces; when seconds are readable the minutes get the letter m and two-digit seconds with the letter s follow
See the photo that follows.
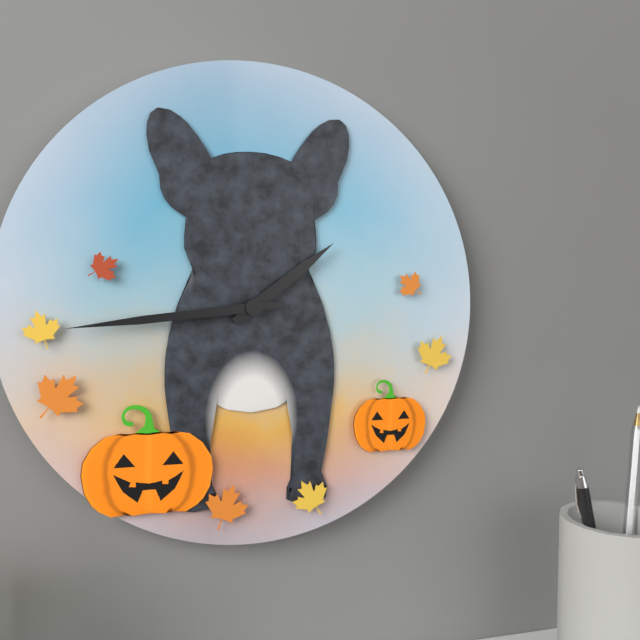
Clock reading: 1h44
